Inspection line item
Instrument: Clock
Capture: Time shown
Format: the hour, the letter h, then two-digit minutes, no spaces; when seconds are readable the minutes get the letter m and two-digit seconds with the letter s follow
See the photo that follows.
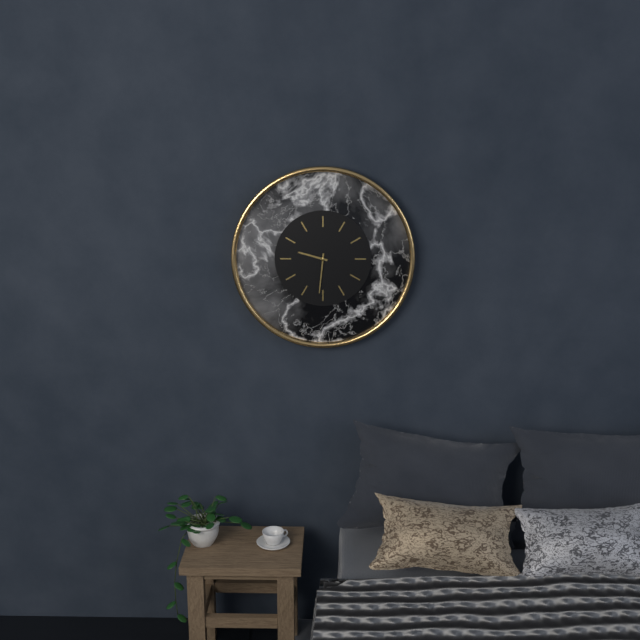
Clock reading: 9h31
